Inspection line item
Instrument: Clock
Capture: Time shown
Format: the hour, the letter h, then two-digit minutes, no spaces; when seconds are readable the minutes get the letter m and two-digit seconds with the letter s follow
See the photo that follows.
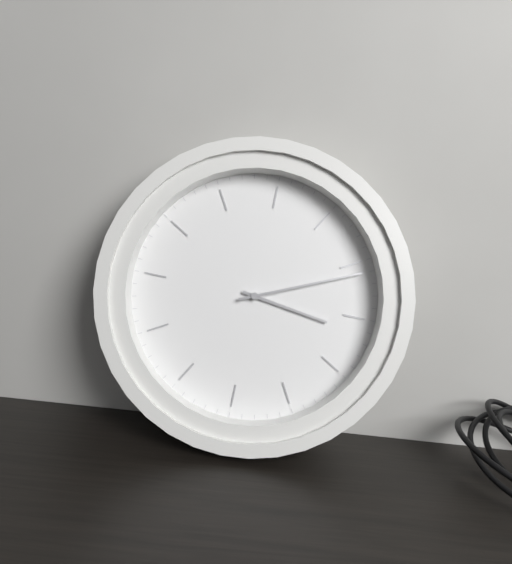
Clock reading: 4h16
